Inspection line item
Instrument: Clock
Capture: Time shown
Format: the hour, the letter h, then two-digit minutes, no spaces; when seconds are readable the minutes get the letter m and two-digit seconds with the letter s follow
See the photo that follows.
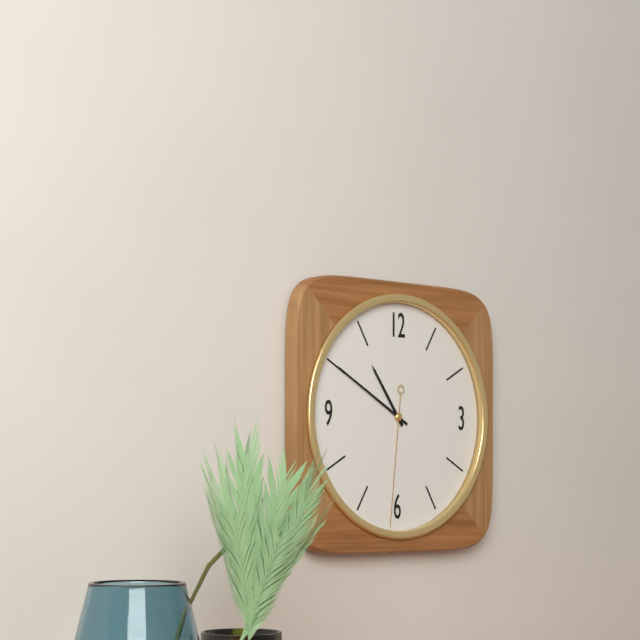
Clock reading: 10h50m31s
